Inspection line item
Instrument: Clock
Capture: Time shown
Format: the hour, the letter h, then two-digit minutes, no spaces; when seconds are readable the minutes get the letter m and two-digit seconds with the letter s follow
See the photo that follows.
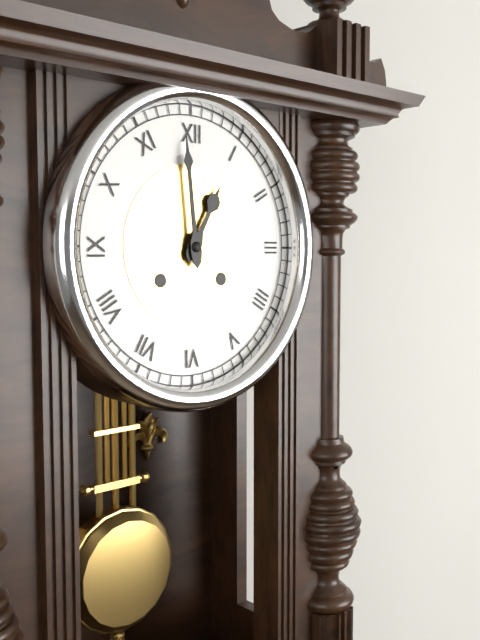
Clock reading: 12h59
